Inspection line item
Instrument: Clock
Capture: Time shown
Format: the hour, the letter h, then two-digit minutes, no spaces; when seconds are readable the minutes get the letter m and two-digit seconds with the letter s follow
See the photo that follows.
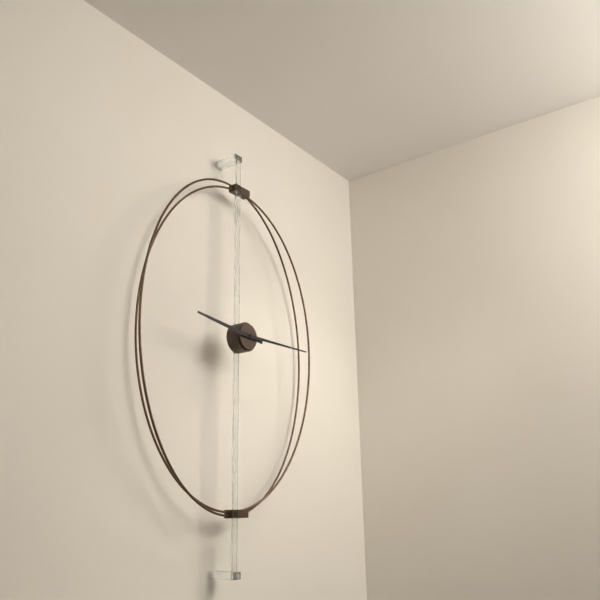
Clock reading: 9h15
